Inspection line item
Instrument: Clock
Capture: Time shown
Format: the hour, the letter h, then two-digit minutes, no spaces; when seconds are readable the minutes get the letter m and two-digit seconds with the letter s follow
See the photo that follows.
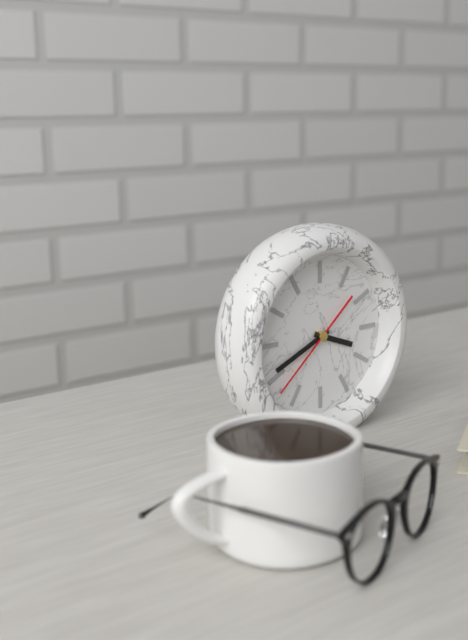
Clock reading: 3h41m38s
